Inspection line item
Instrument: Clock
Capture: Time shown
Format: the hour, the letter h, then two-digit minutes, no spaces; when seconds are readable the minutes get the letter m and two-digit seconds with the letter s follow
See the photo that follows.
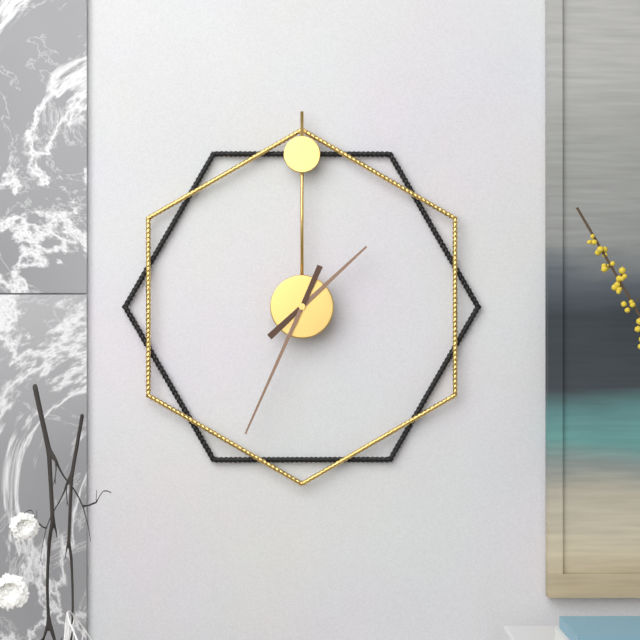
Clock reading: 1h34
